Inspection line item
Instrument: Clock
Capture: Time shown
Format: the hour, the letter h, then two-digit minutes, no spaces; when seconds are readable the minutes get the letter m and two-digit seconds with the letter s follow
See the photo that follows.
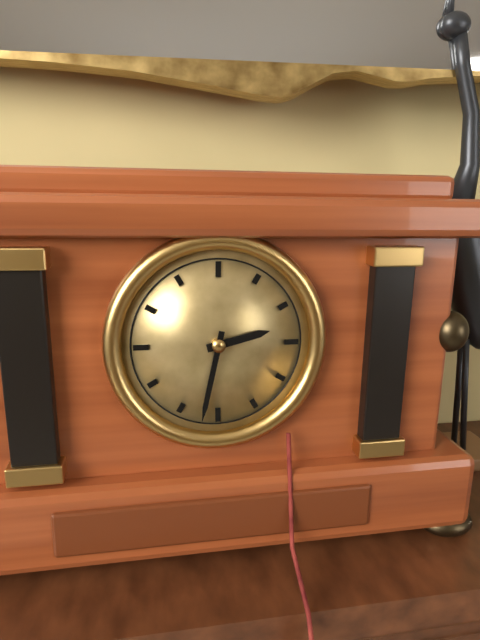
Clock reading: 2h32
